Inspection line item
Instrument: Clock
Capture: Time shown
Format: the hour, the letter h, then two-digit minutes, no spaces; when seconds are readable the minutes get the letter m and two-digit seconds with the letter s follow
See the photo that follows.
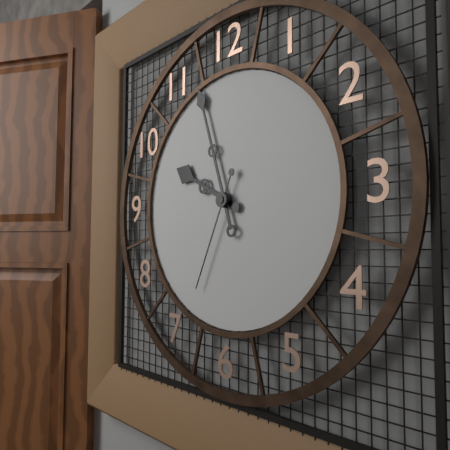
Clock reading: 9h57m34s
